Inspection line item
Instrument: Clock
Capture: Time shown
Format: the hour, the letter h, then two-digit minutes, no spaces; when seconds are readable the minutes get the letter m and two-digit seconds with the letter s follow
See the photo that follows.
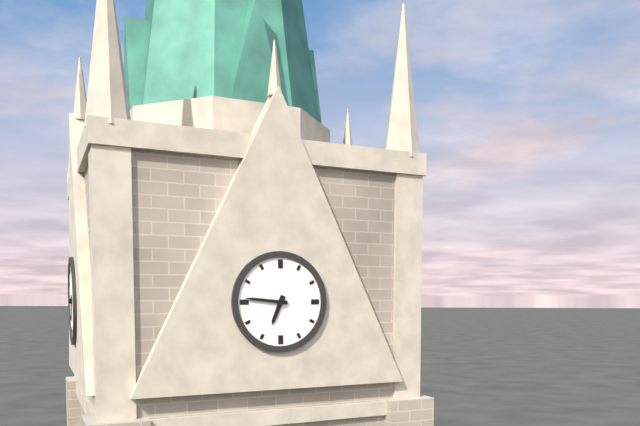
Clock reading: 6h46
